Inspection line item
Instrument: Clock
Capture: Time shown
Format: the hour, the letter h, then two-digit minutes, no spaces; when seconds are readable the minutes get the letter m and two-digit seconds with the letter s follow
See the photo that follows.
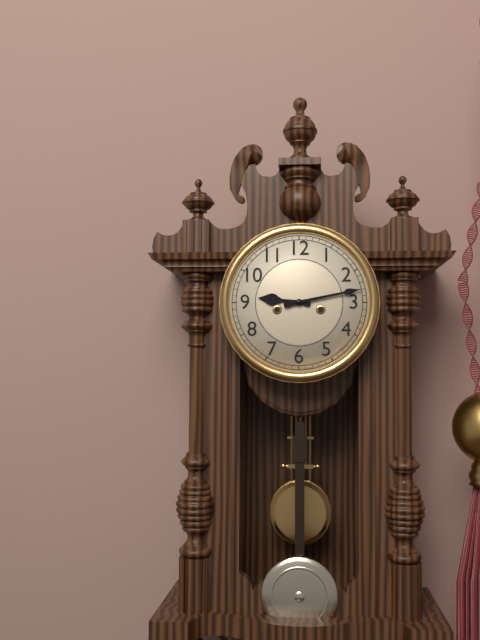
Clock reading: 9h13
